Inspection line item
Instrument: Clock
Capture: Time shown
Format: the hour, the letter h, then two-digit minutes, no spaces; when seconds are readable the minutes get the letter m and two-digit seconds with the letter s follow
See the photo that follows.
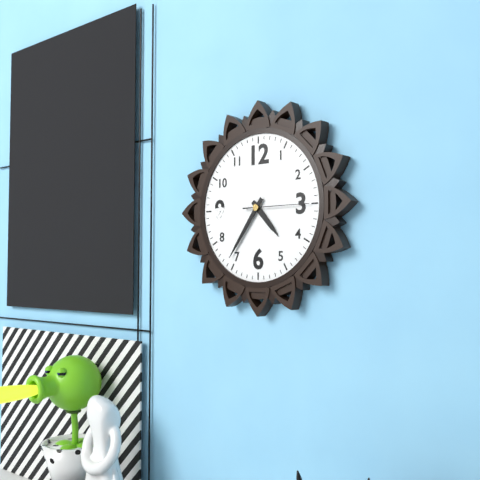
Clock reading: 4h36m15s
